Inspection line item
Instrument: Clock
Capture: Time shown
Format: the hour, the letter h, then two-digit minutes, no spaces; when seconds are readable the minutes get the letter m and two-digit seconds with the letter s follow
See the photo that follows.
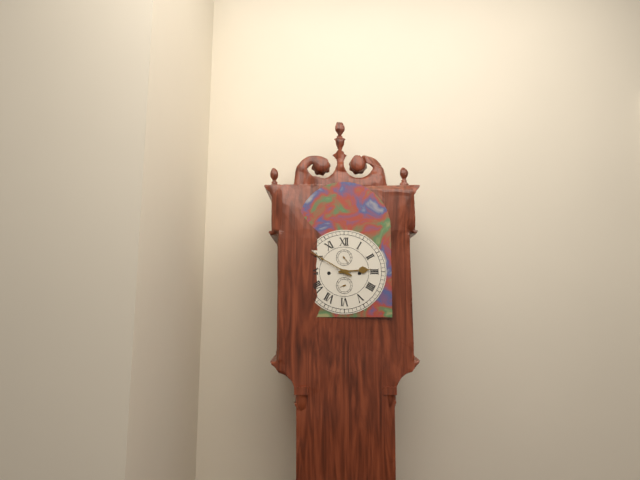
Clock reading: 2h50
